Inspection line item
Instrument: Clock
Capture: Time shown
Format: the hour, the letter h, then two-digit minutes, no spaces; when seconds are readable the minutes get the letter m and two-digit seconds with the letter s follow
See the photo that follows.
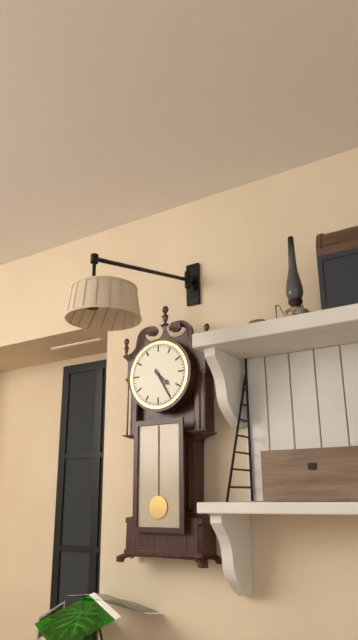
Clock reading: 4h25
